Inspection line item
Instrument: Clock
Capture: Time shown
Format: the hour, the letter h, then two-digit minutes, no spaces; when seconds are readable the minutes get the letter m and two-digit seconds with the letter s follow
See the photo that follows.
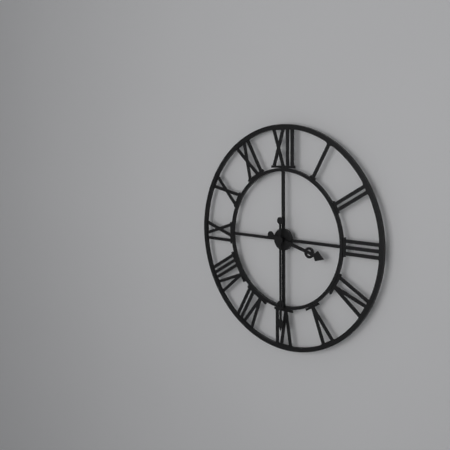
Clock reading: 3h30
